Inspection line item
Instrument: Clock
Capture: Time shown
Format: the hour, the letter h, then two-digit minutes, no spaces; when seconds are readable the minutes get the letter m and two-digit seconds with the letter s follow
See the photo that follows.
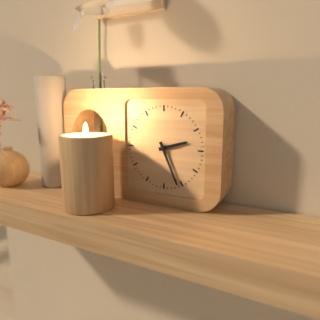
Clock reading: 2h26
